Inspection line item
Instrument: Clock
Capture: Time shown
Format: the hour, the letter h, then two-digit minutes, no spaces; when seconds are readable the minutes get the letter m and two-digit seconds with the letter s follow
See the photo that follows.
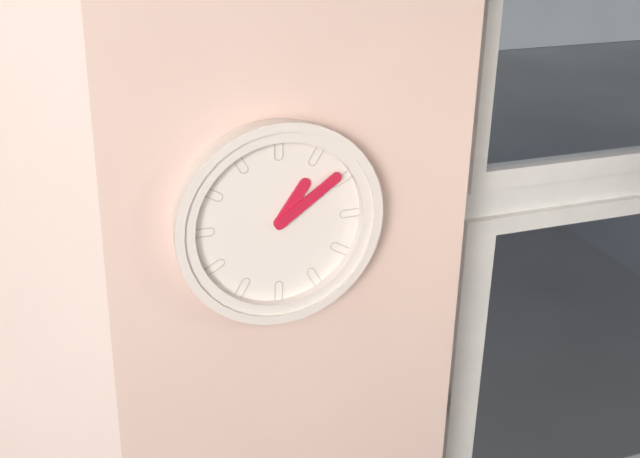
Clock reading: 1h09
